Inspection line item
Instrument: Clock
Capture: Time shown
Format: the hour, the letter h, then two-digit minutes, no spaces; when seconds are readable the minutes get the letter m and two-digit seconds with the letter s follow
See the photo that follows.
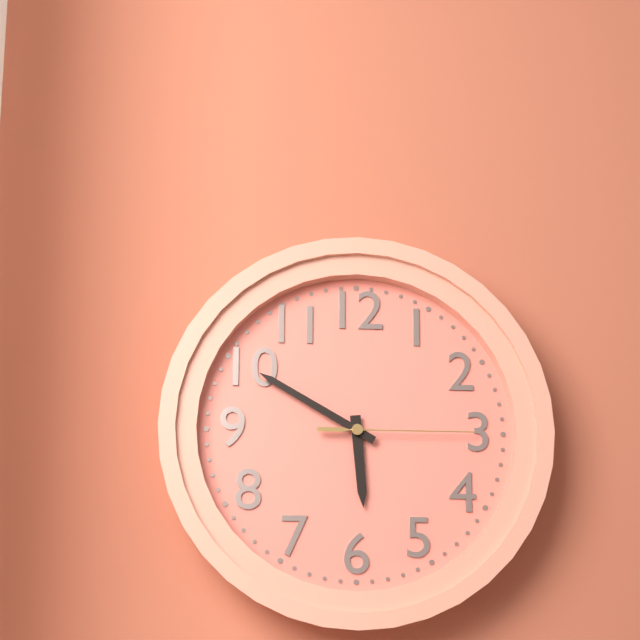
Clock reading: 5h50m15s
